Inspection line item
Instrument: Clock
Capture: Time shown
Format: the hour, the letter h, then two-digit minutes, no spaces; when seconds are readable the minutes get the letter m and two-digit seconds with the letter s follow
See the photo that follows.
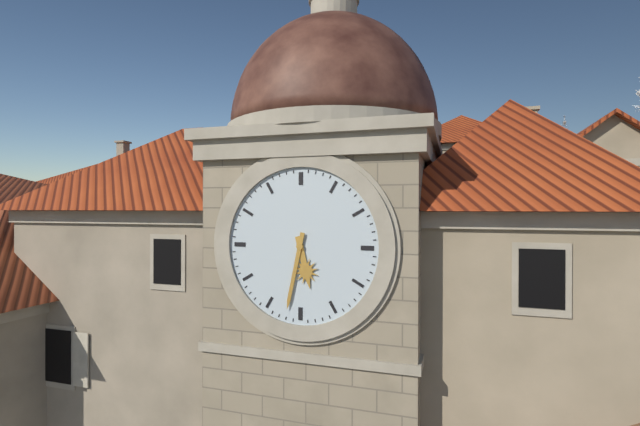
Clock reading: 5h32
